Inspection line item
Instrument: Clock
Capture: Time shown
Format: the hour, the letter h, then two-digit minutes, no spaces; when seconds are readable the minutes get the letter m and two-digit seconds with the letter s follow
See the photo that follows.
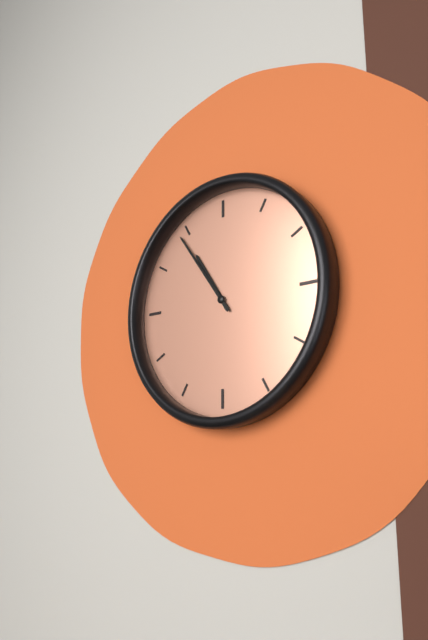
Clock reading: 10h54
